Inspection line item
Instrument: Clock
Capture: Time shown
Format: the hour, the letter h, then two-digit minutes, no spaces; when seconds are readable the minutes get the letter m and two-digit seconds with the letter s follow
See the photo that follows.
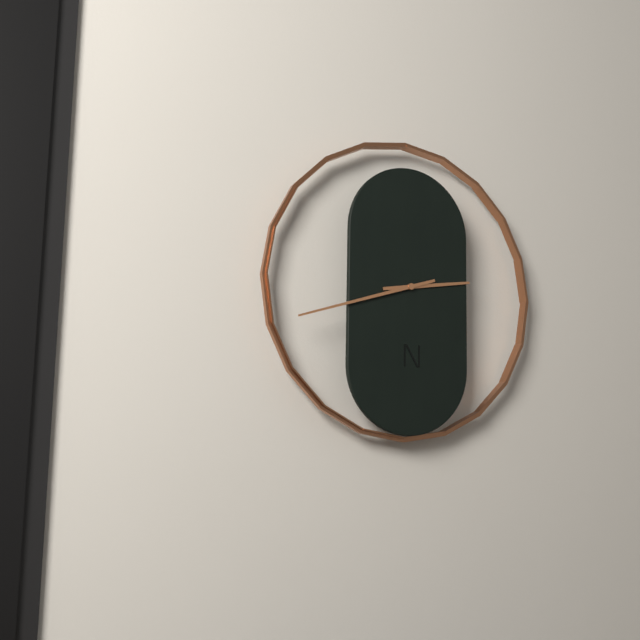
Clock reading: 2h42
